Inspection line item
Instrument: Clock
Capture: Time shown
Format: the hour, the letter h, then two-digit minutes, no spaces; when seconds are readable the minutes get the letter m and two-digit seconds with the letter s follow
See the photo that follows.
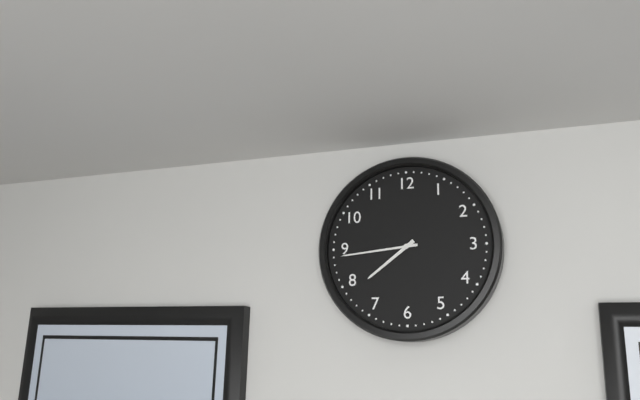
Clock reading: 7h44
